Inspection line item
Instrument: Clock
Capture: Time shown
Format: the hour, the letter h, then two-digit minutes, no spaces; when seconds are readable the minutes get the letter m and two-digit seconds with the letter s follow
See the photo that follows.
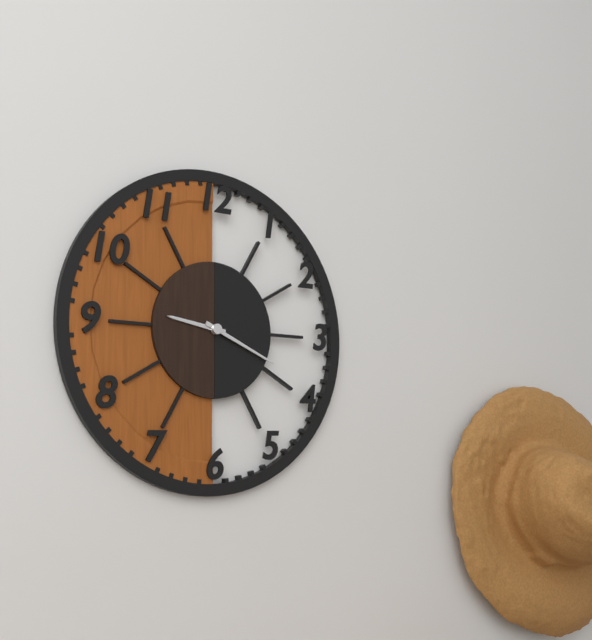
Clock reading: 9h19
